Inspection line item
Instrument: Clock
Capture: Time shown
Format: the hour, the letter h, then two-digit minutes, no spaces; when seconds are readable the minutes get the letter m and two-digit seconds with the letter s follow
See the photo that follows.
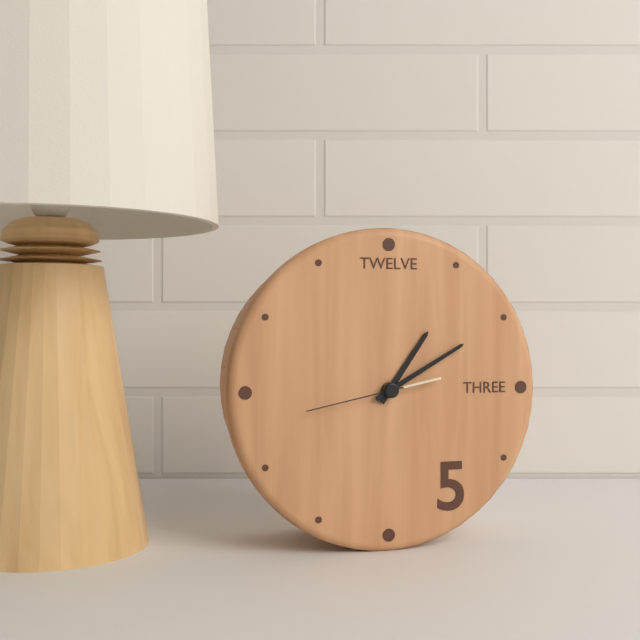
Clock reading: 1h10m43s
